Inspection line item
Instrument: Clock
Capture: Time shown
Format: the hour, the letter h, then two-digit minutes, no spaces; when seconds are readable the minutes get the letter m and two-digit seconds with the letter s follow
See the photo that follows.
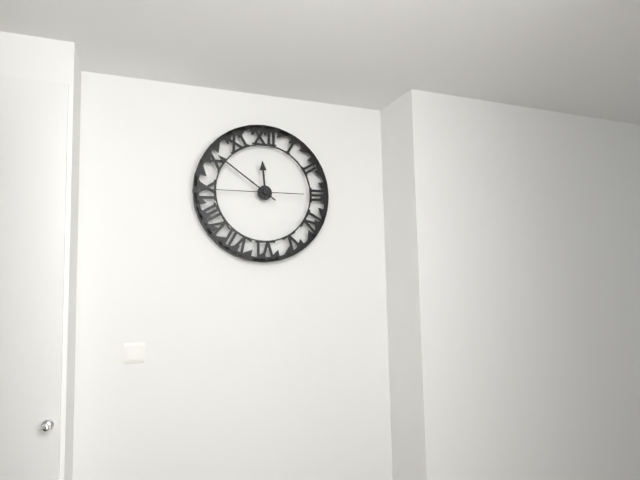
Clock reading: 11h51m45s
